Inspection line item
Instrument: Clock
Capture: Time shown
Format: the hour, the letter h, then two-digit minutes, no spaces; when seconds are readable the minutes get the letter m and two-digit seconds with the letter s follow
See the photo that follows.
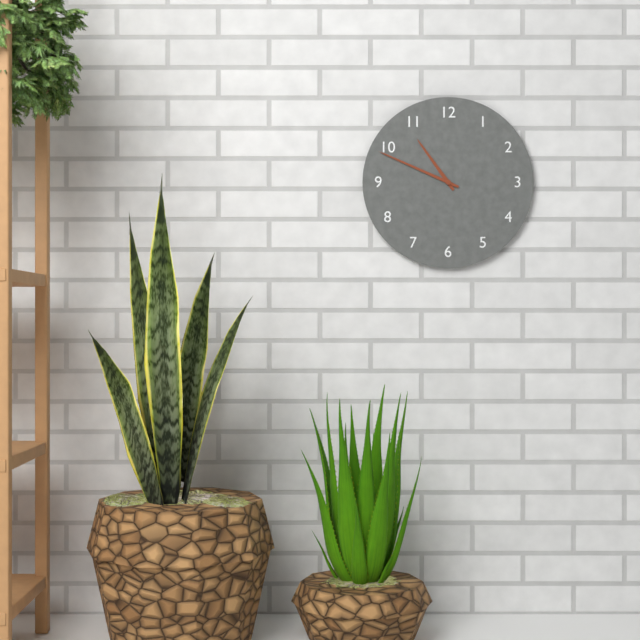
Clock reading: 10h49
